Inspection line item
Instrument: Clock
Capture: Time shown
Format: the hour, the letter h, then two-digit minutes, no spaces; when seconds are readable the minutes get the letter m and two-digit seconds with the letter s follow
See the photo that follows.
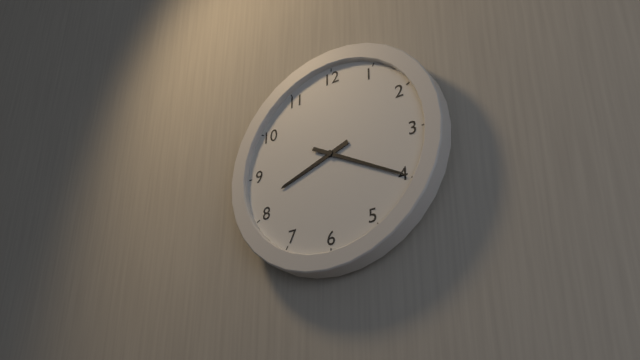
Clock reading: 8h20
